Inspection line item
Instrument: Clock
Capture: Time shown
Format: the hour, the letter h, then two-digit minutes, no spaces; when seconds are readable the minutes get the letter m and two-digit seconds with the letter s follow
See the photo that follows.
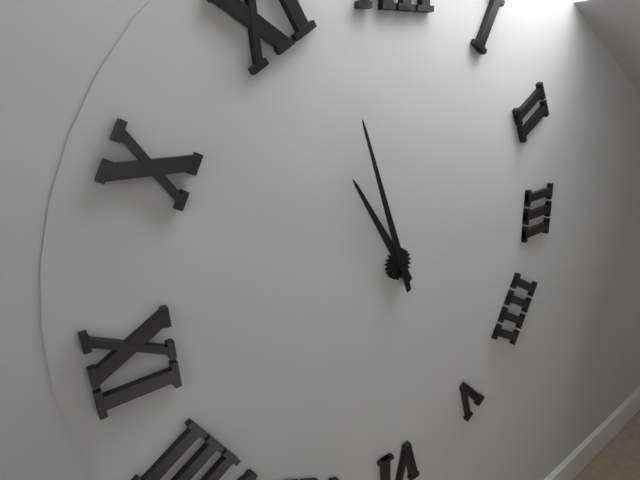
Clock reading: 10h57
